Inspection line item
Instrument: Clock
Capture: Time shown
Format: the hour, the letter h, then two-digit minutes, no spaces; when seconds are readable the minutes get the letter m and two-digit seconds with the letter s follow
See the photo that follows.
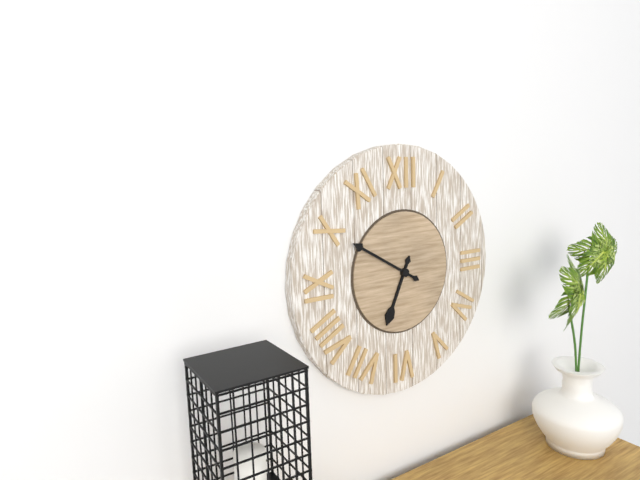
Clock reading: 6h50
